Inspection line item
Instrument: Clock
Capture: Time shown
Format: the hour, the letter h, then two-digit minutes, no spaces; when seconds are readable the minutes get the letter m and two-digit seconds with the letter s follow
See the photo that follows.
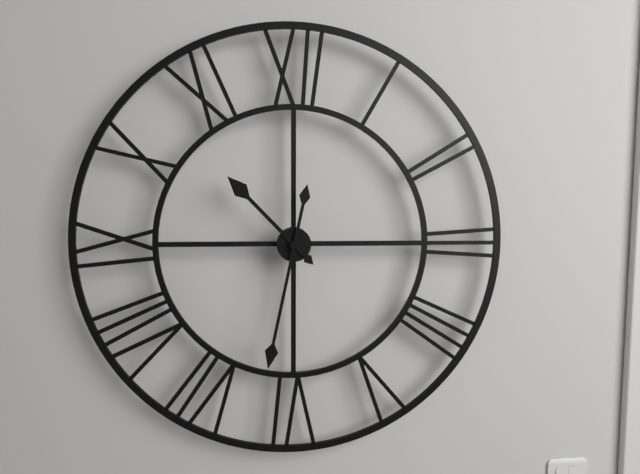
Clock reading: 10h32
